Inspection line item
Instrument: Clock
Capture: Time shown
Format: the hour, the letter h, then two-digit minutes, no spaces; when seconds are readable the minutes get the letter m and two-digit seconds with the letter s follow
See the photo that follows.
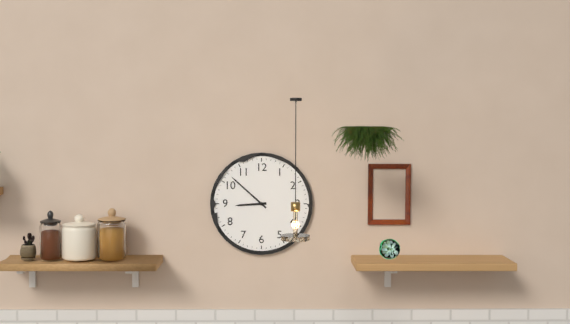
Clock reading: 8h52
